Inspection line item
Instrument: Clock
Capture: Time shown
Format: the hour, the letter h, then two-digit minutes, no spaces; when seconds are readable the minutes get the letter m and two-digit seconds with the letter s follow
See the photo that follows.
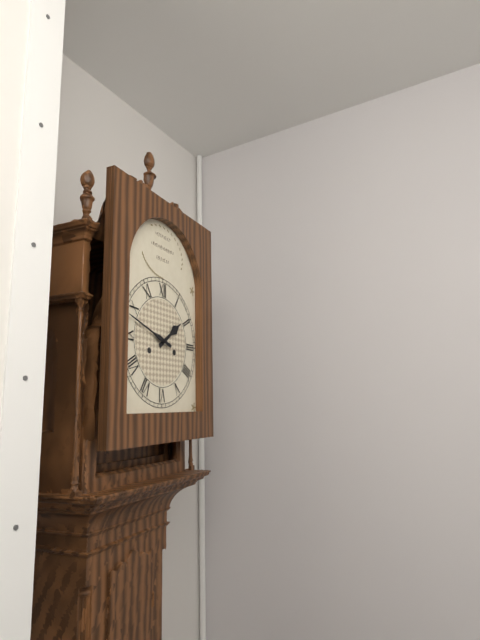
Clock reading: 1h48
